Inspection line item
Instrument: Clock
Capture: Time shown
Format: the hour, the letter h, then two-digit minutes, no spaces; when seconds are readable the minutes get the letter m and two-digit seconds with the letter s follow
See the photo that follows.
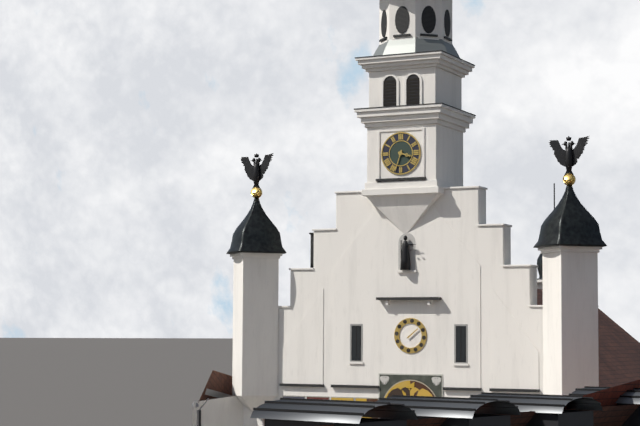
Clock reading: 3h33
